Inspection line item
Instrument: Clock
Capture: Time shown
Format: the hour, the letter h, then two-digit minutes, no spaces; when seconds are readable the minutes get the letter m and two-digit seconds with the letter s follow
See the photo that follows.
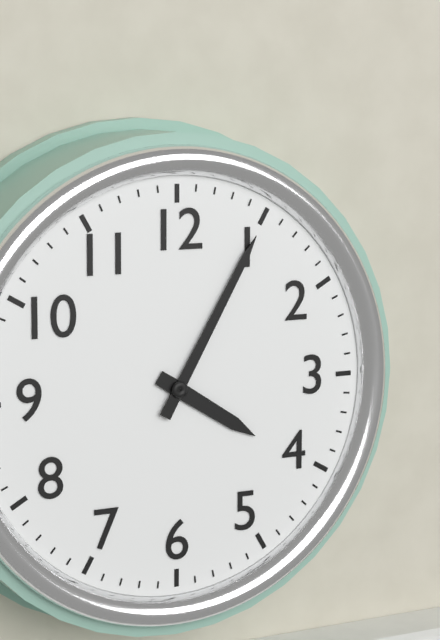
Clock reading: 4h05
